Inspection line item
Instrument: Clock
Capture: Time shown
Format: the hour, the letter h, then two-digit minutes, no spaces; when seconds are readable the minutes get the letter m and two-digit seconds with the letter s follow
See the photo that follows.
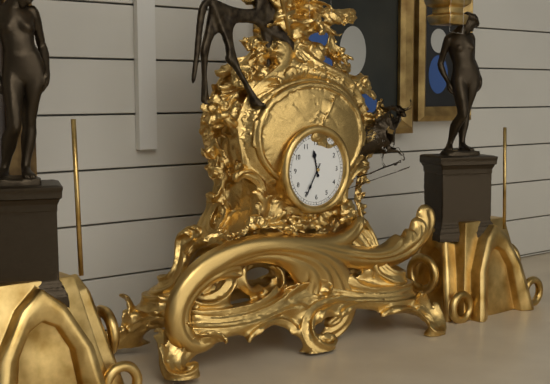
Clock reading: 11h35
